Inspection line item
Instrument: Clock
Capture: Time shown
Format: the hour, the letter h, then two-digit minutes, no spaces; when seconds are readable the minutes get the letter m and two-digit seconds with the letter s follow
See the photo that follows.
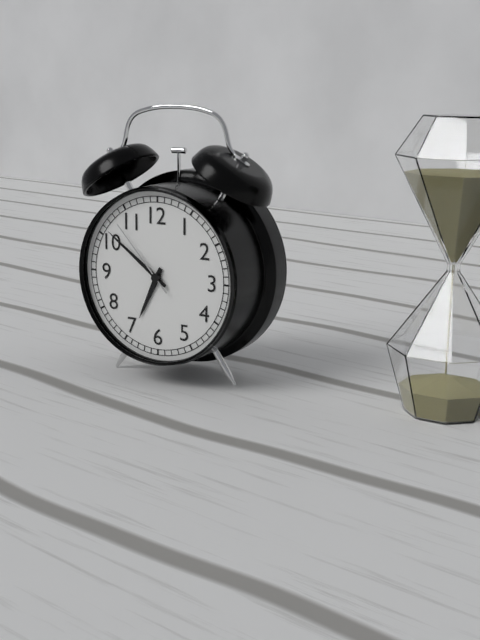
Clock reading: 6h51m53s
